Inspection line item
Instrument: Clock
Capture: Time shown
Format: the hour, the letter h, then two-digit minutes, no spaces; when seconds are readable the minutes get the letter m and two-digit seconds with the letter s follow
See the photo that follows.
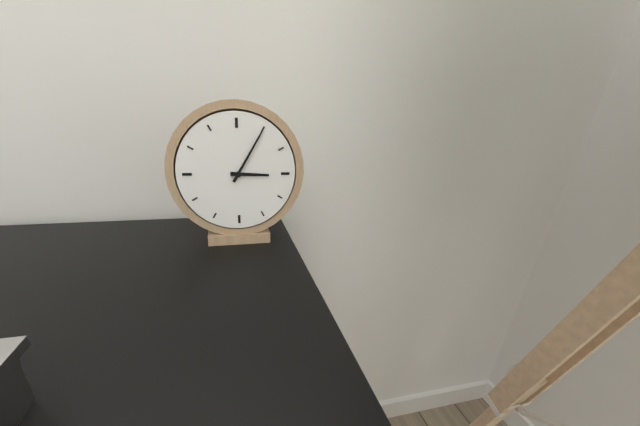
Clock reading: 3h05
